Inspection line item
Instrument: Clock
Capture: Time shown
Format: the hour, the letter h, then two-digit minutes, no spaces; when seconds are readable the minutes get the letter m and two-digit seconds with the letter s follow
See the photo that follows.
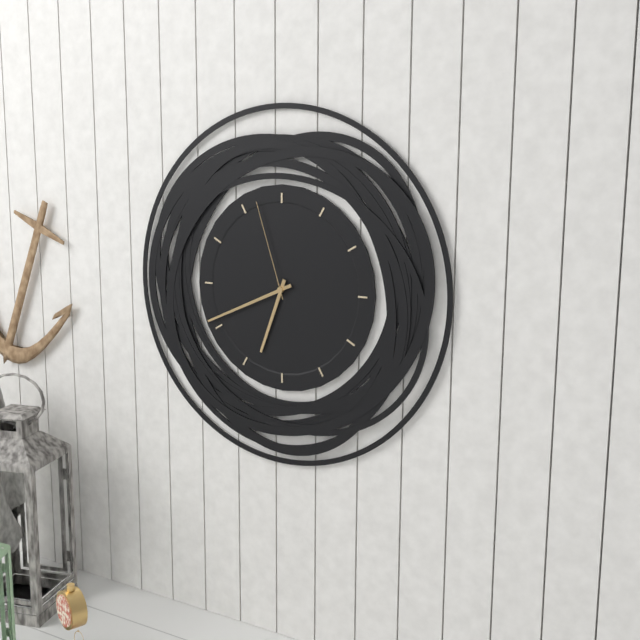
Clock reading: 6h41m57s
